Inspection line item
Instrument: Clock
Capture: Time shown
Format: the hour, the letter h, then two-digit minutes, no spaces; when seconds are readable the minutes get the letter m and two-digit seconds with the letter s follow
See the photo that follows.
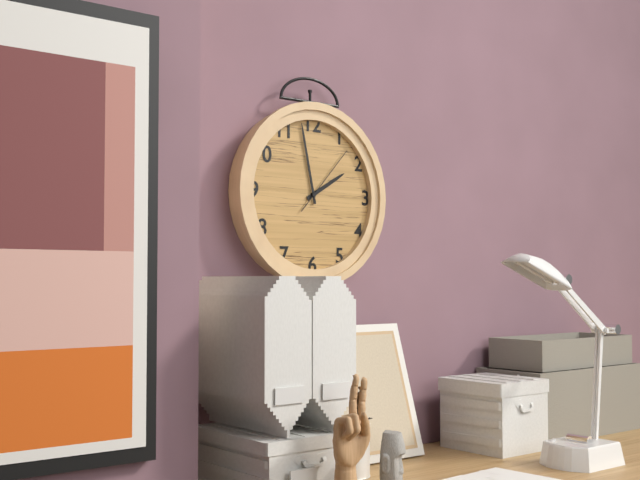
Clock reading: 1h58m07s
